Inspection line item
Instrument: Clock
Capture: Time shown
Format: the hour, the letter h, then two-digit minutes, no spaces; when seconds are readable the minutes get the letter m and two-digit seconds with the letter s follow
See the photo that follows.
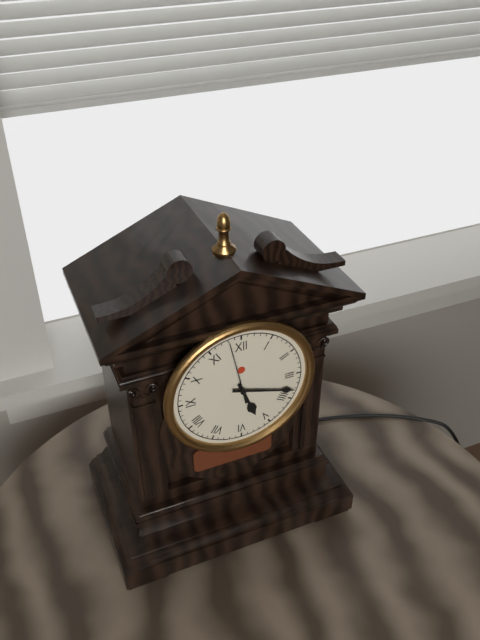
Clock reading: 5h18m58s
